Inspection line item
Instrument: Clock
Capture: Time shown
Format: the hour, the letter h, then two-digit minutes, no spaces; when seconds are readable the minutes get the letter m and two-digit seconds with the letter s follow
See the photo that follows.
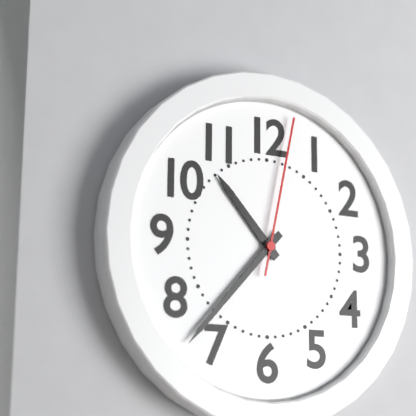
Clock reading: 10h37m02s
